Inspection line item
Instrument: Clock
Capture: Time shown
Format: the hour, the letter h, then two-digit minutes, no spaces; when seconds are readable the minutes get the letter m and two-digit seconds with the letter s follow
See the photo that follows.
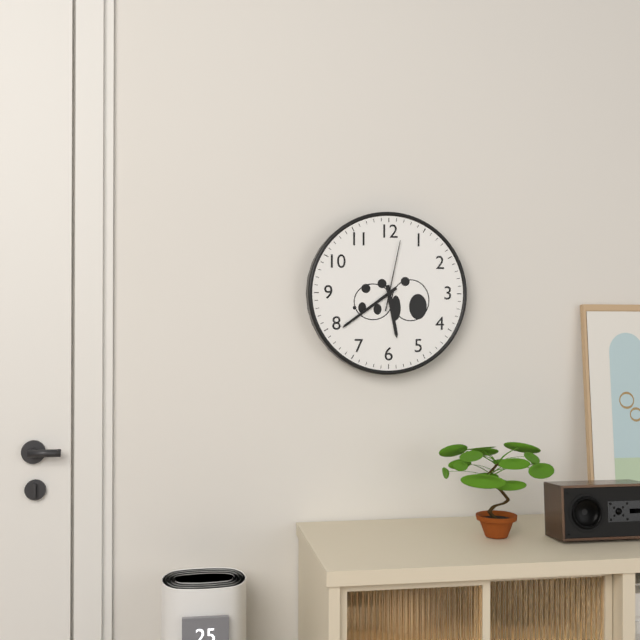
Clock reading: 5h39m02s
